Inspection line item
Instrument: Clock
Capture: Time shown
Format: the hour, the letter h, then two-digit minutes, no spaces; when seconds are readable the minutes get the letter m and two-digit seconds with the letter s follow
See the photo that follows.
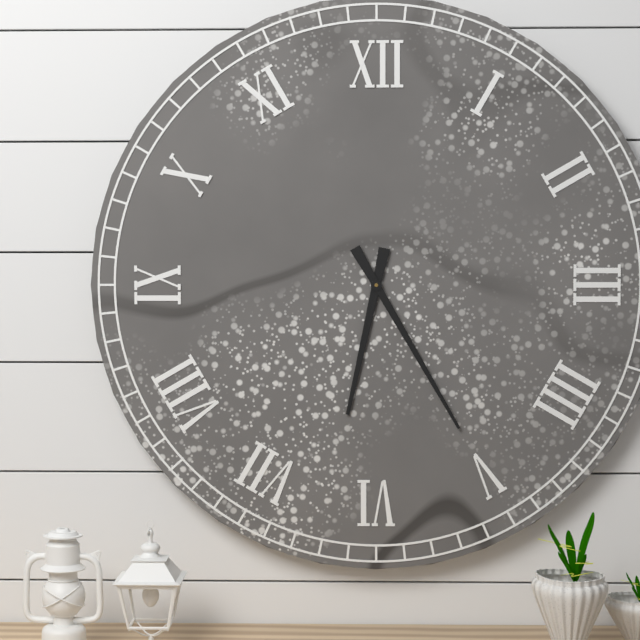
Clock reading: 6h25
